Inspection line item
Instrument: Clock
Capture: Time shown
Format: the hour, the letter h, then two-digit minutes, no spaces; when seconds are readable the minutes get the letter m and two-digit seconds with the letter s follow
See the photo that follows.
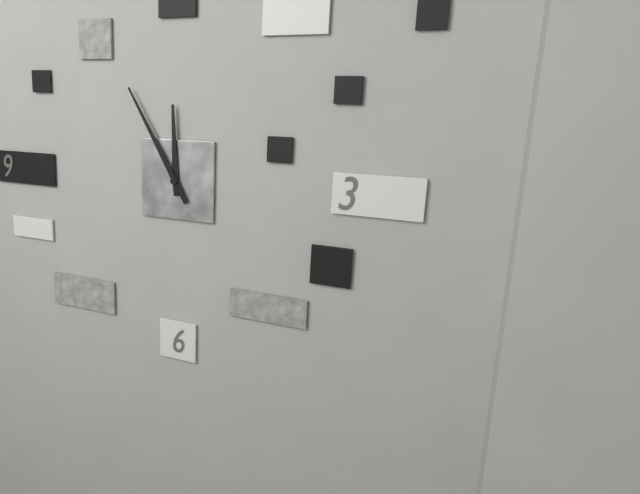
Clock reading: 11h55
